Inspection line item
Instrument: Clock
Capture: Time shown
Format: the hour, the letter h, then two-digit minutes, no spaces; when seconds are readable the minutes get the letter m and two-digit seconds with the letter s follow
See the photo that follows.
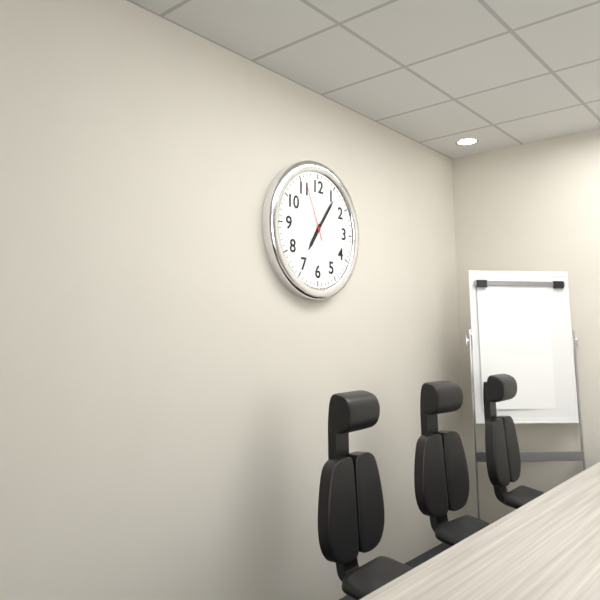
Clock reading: 7h06m56s
